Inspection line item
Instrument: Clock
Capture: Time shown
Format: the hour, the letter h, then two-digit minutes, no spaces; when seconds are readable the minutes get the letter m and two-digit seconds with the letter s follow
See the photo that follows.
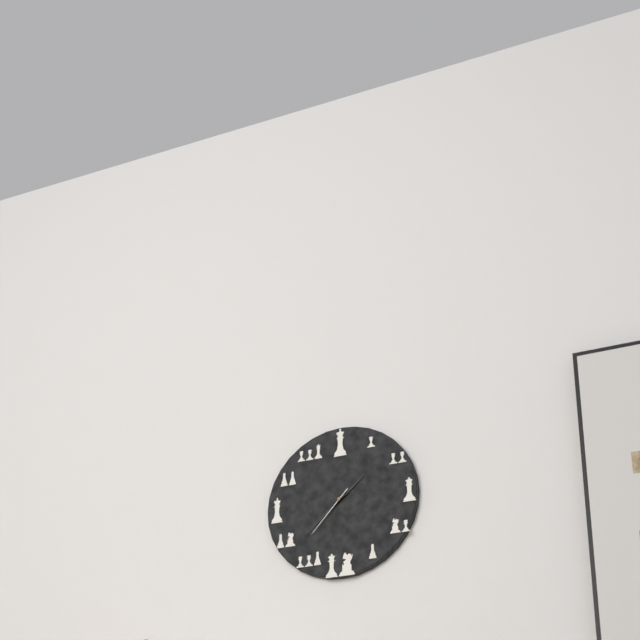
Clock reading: 1h38m37s
